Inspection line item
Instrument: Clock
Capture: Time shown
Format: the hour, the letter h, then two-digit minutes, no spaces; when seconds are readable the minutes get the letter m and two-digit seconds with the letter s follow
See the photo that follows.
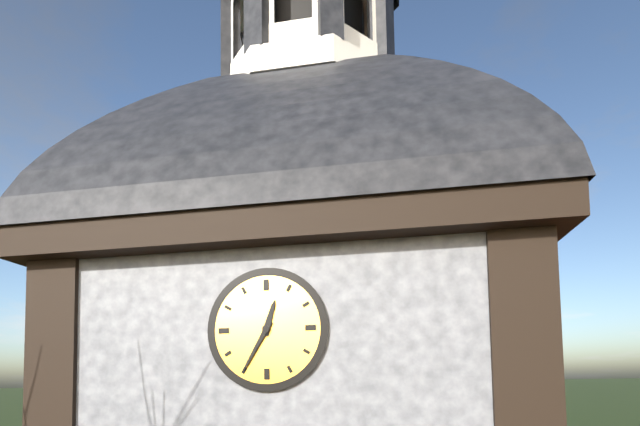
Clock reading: 12h35
